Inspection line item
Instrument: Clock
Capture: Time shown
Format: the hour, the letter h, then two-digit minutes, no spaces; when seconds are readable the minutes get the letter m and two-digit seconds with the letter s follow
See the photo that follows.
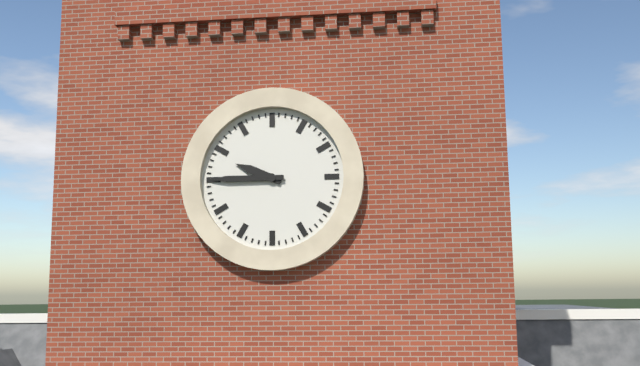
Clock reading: 9h45
